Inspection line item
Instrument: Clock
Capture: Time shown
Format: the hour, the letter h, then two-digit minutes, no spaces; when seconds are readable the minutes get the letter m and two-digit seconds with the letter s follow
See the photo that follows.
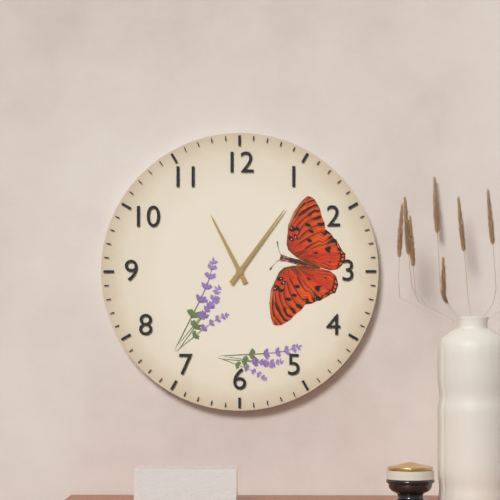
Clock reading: 11h06
